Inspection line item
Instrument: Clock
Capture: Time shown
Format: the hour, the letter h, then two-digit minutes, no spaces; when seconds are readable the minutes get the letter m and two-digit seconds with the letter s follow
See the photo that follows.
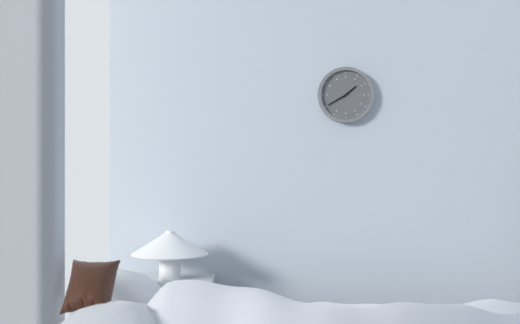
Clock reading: 1h40
